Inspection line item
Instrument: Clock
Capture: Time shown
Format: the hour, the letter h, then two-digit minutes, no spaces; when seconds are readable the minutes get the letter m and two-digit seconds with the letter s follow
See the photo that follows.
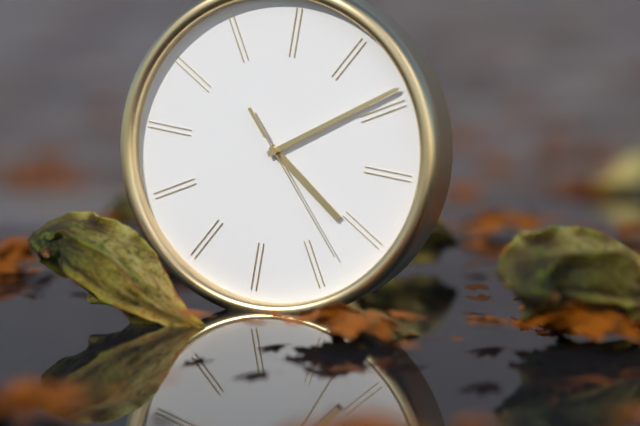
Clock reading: 4h09m23s
